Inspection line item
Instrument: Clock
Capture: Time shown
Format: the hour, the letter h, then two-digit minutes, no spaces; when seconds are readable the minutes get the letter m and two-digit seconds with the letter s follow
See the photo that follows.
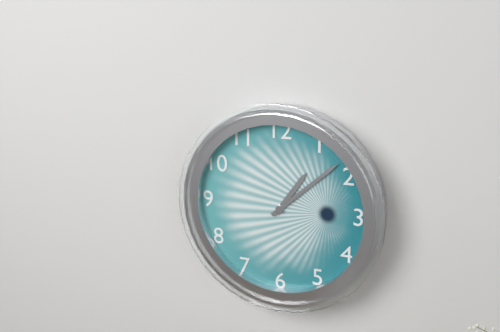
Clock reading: 1h08
